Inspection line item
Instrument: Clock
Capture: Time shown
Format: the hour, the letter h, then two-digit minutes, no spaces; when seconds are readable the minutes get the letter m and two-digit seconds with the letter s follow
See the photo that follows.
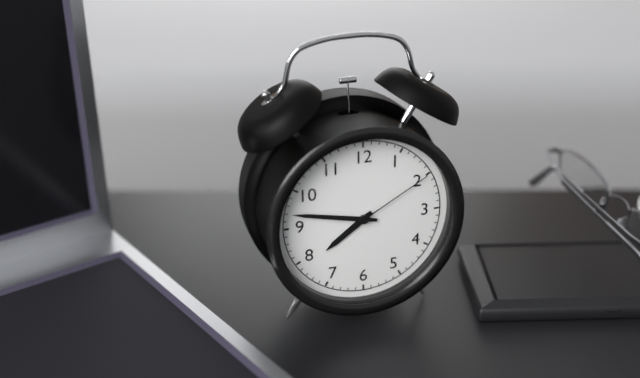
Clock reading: 7h47m10s
